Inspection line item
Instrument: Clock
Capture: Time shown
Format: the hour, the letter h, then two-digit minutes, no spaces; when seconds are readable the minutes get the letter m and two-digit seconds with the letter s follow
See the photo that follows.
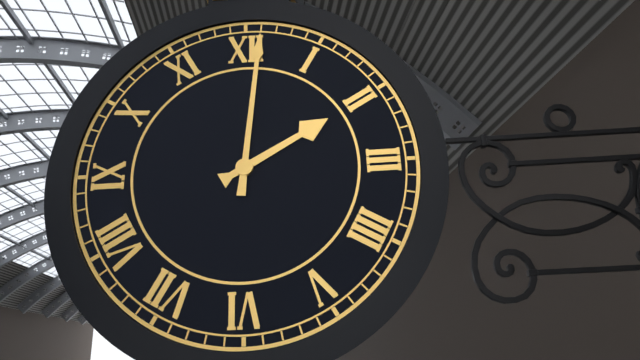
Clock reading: 2h01
